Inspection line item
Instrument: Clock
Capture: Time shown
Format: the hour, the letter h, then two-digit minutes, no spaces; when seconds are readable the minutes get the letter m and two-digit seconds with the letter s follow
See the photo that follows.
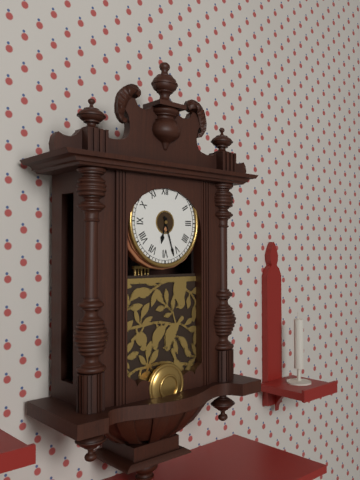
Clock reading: 6h27
